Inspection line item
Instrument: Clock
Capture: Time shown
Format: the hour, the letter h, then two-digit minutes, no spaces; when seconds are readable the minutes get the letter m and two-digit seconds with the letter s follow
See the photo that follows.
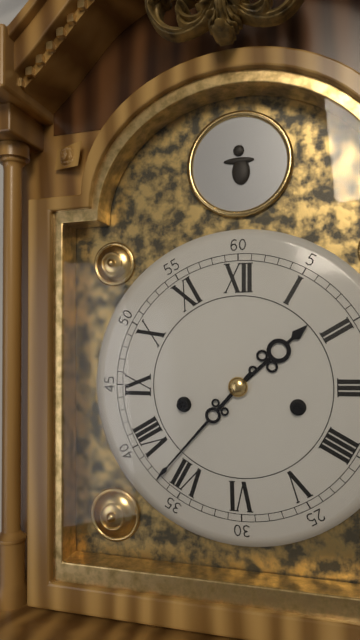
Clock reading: 1h37
